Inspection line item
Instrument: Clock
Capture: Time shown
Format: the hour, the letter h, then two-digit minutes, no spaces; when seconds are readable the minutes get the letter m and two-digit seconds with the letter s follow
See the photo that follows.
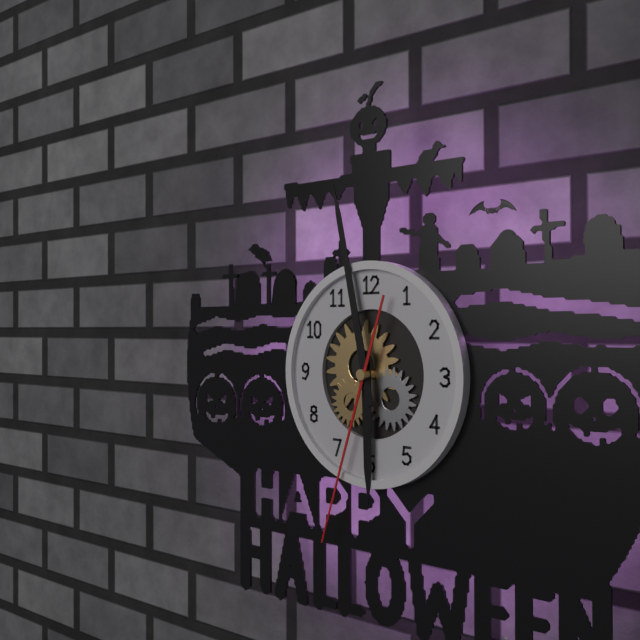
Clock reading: 5h58m33s
